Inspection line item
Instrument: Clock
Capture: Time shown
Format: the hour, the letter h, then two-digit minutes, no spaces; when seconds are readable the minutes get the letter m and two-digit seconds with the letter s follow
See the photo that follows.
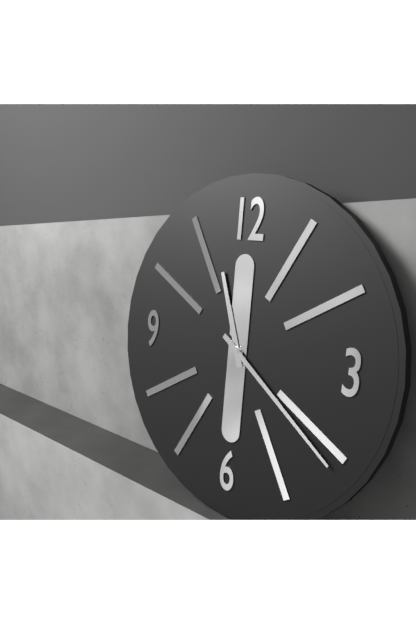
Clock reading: 11h21
